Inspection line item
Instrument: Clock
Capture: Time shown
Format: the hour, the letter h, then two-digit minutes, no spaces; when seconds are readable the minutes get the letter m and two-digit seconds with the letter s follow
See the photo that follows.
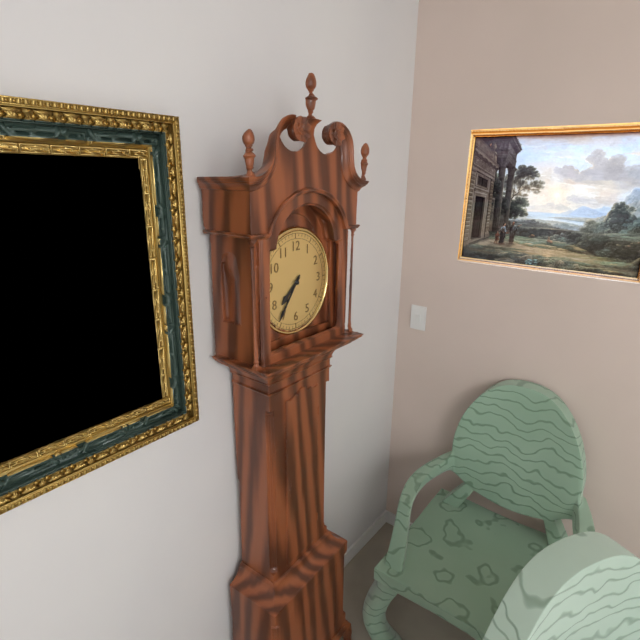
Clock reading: 7h36
